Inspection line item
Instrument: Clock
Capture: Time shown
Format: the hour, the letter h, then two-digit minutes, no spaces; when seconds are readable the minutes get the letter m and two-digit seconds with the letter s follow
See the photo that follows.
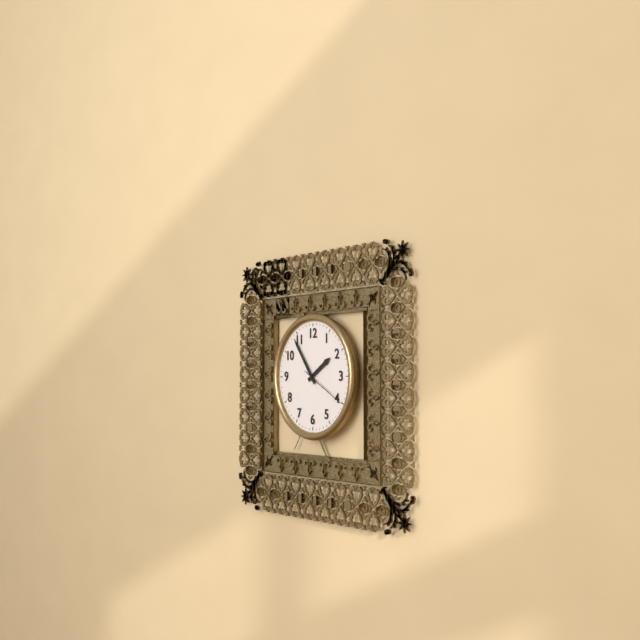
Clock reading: 1h54
